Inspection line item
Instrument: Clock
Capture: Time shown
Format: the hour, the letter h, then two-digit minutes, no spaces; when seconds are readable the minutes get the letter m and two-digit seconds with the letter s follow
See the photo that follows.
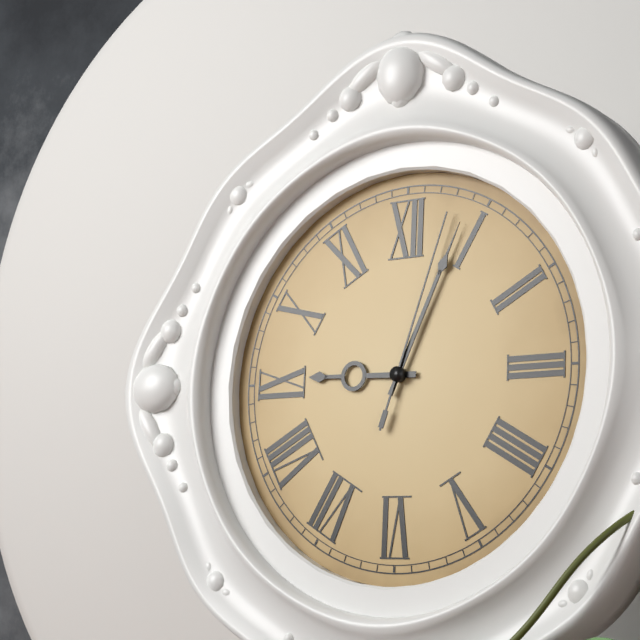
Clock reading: 9h04m03s
